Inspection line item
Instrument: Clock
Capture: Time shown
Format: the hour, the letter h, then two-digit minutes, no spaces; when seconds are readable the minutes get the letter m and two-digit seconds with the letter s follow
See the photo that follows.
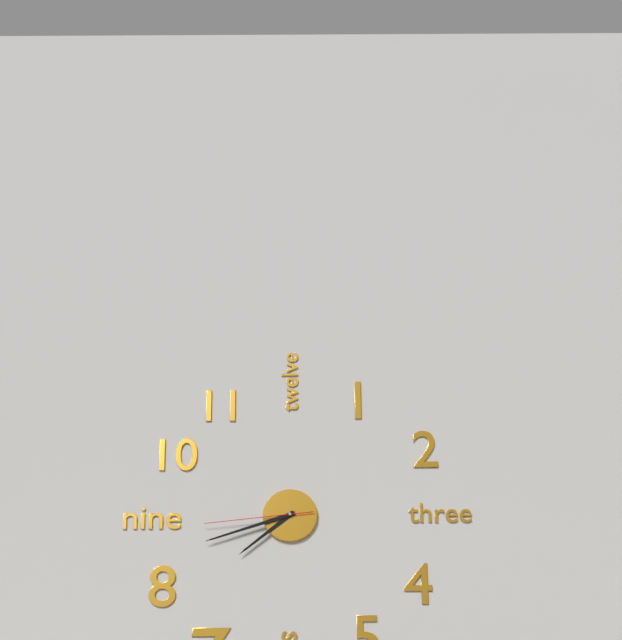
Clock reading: 7h42m44s
